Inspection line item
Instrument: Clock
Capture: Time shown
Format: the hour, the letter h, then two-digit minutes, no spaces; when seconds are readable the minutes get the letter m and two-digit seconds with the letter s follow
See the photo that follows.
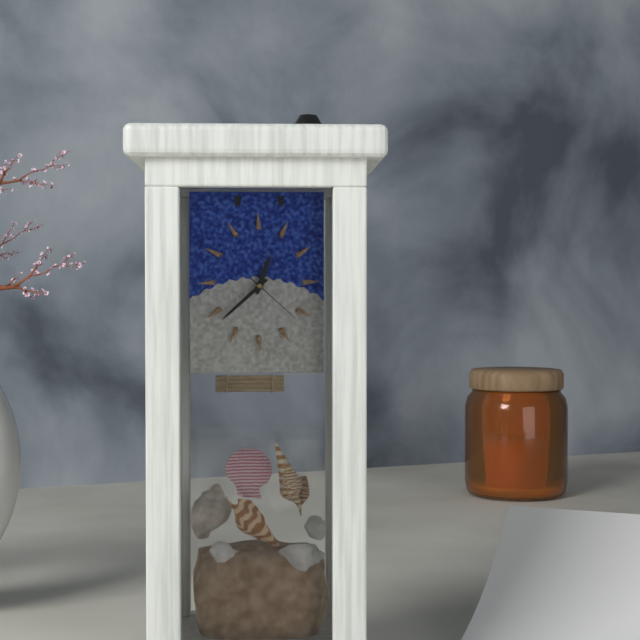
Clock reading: 12h38m22s
